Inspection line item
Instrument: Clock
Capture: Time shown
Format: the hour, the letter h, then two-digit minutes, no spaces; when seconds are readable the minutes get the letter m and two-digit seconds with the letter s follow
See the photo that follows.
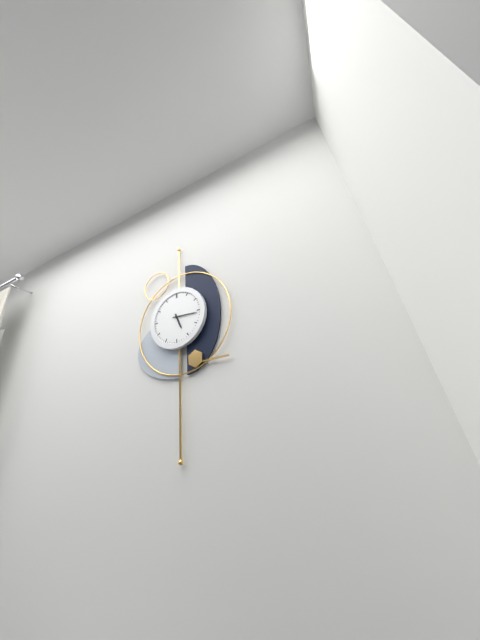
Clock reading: 5h16
